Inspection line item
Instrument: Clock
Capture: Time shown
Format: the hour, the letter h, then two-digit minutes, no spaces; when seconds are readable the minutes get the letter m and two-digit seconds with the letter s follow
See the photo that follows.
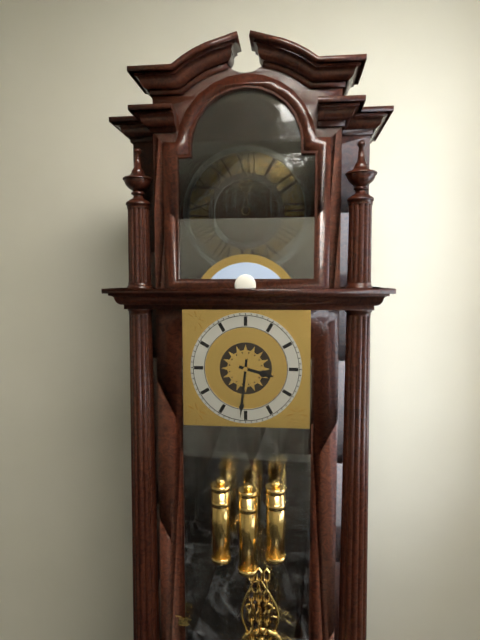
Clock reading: 3h31
